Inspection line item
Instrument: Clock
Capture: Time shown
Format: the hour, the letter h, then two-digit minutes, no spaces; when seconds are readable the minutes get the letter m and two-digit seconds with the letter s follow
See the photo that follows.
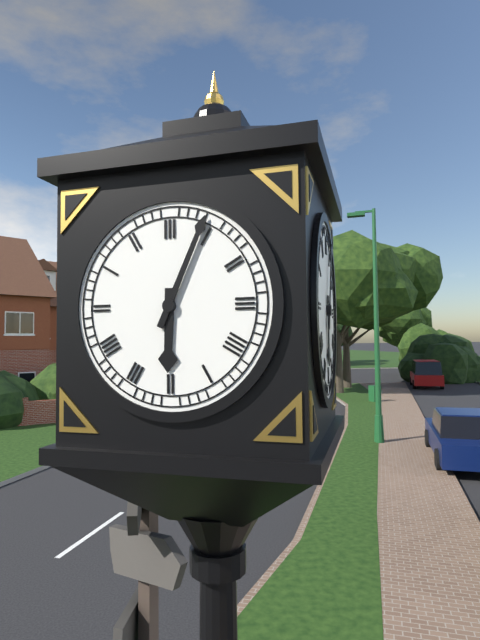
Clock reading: 6h04
